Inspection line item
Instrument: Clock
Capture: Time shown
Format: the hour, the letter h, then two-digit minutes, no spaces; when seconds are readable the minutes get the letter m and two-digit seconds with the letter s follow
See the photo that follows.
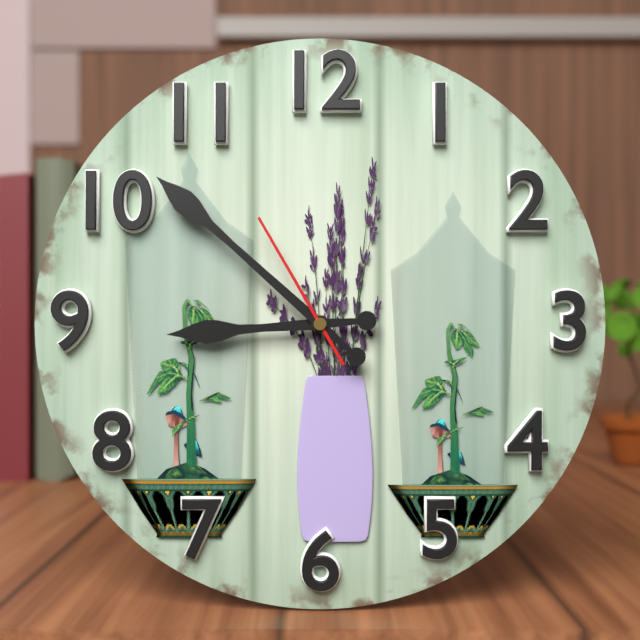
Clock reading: 8h52m55s
